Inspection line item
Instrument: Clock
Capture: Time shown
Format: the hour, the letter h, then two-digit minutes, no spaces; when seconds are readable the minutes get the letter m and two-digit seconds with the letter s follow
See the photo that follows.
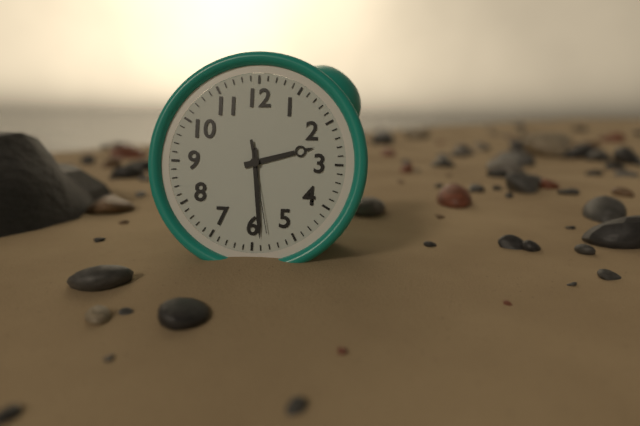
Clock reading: 2h29m28s
